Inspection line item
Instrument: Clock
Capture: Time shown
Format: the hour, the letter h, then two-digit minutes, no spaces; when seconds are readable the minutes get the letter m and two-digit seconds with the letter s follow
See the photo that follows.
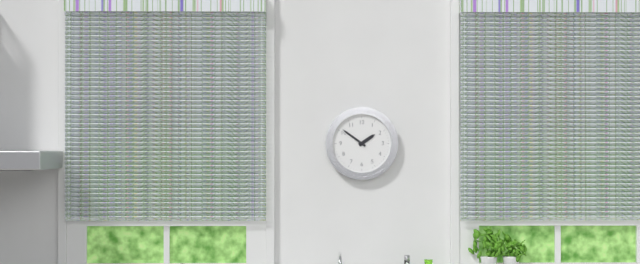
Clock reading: 1h51
